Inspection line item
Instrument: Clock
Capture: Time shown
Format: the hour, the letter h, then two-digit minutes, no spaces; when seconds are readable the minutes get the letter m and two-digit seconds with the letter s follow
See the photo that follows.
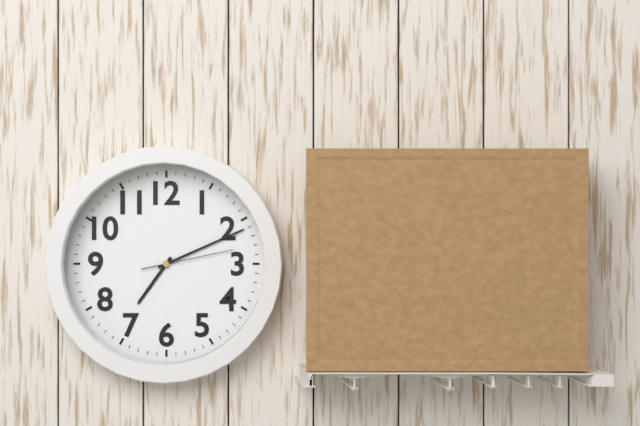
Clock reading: 7h11m13s
